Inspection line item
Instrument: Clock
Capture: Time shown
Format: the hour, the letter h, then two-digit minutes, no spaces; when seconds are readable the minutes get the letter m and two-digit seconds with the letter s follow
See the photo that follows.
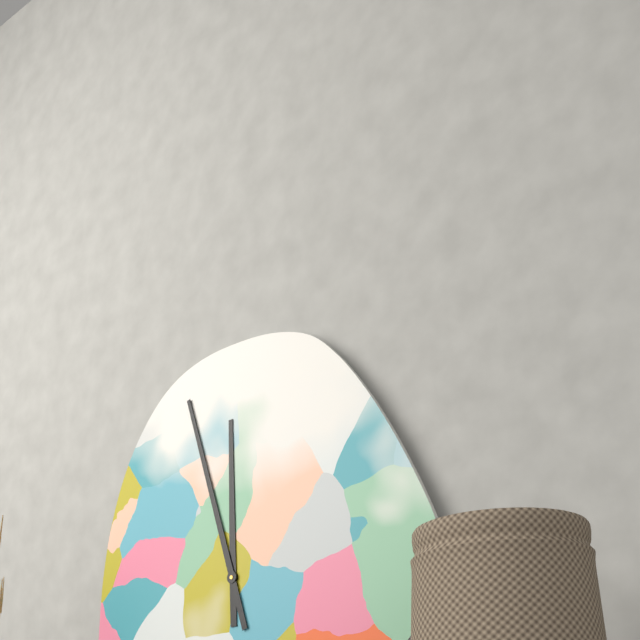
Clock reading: 11h57
